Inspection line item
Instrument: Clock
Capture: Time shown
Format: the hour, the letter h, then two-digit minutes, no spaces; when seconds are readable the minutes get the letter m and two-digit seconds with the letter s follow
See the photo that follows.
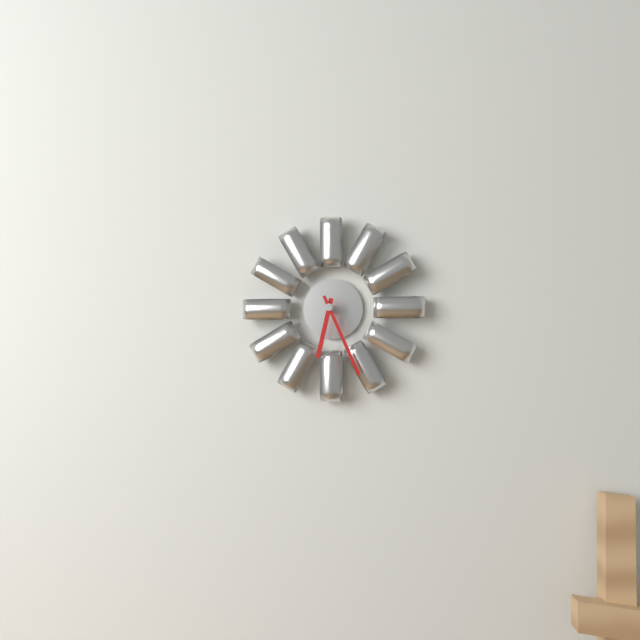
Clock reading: 6h26
